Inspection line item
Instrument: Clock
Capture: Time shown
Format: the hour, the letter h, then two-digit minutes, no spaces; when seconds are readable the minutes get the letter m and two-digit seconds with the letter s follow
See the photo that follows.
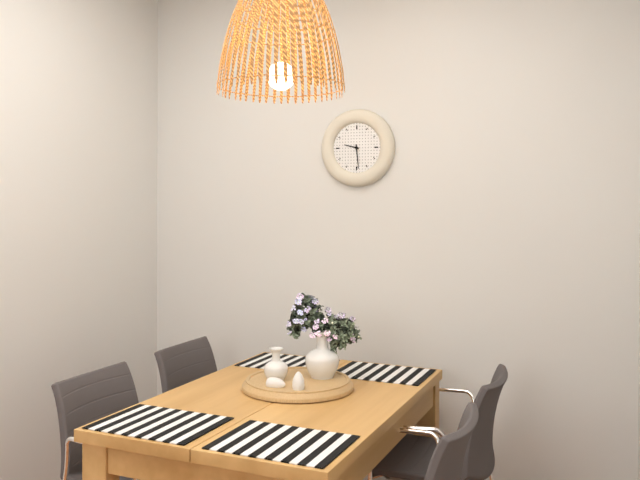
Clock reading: 9h29
